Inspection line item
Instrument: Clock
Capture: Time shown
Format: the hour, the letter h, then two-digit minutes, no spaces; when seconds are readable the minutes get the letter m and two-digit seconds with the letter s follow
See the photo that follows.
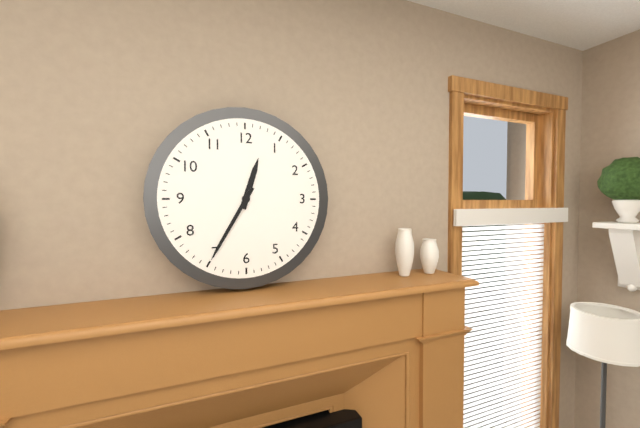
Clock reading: 12h35
